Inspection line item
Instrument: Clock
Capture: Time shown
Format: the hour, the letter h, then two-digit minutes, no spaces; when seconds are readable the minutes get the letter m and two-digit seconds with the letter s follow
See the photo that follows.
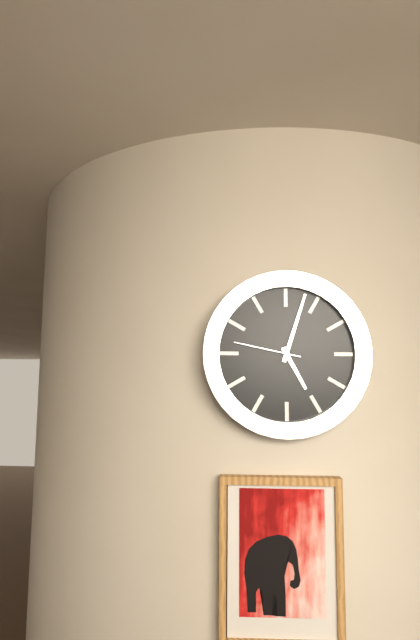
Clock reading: 5h03m47s
